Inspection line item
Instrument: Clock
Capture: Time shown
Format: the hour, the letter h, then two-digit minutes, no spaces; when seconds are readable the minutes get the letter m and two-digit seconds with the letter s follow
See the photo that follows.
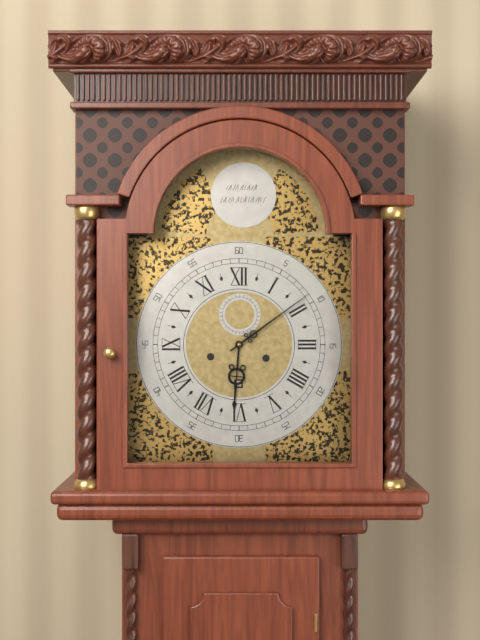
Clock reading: 6h09
